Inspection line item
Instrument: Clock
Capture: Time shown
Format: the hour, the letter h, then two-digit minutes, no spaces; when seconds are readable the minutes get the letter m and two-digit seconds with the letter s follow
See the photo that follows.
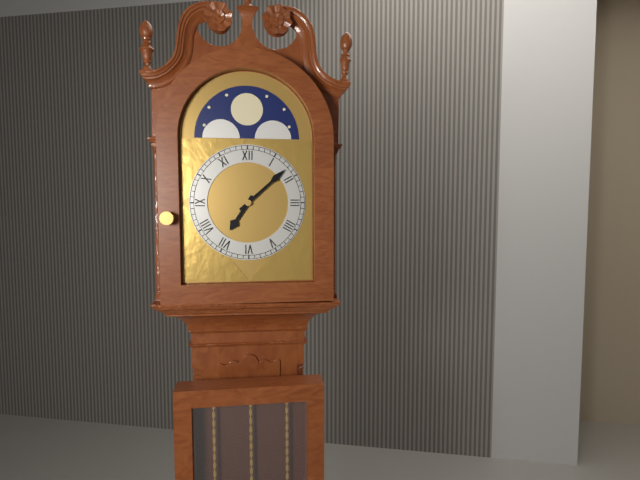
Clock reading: 7h08
